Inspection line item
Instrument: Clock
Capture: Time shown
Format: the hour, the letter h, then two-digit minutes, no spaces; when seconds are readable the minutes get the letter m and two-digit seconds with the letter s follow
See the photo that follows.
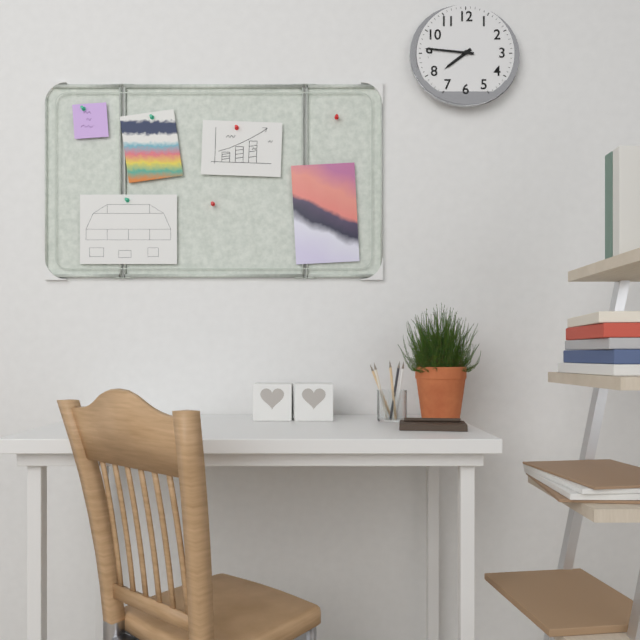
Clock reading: 7h46
